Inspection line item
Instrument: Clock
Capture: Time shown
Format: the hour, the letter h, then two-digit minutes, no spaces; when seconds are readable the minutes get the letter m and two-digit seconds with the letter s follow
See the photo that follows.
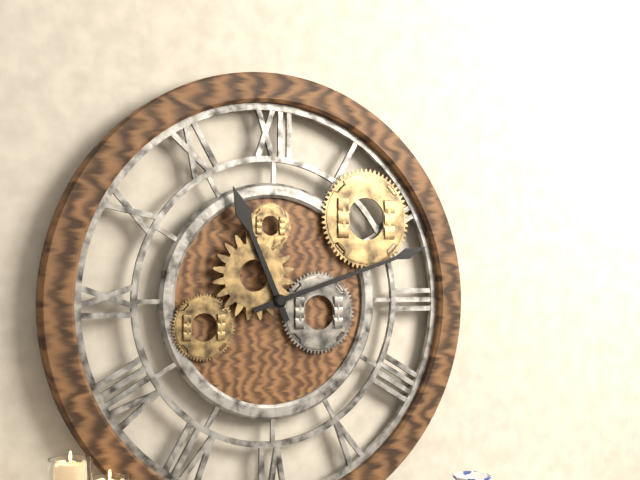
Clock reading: 11h12
